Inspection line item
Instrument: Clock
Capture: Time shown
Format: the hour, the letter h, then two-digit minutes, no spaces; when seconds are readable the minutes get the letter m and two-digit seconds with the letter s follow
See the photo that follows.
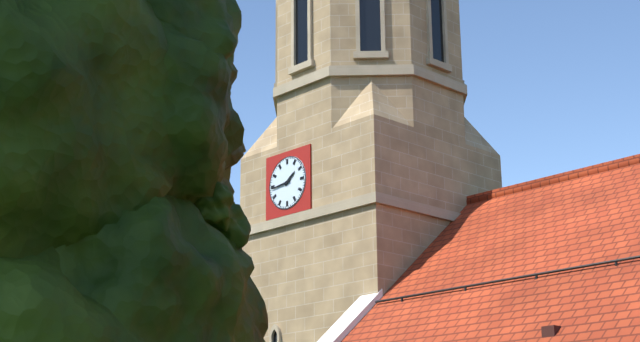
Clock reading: 1h44
